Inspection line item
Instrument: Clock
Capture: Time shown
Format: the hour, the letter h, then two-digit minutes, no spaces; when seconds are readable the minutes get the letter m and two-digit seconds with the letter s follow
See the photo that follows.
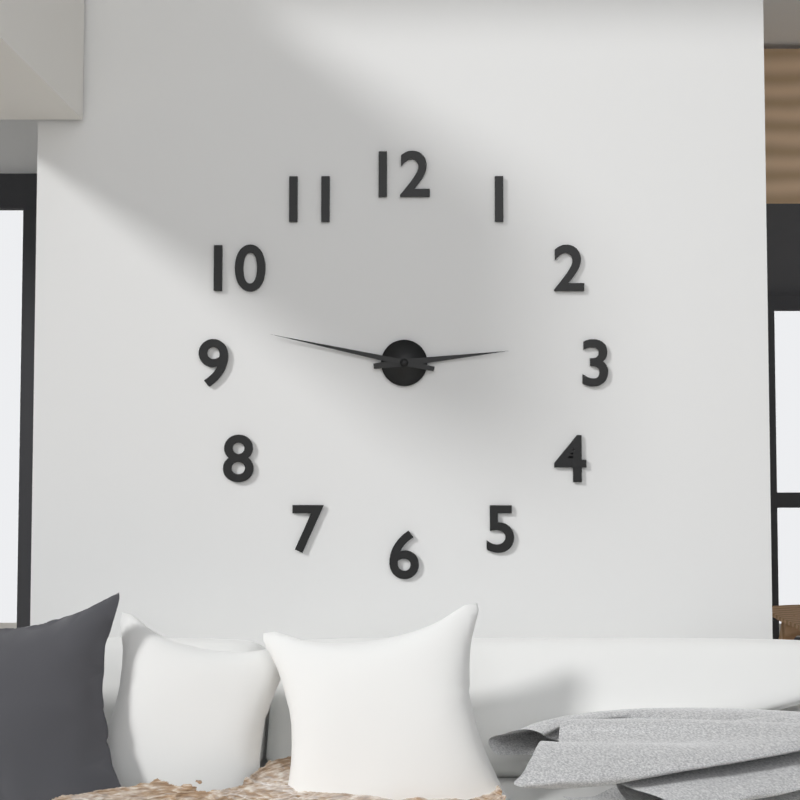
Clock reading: 2h47
